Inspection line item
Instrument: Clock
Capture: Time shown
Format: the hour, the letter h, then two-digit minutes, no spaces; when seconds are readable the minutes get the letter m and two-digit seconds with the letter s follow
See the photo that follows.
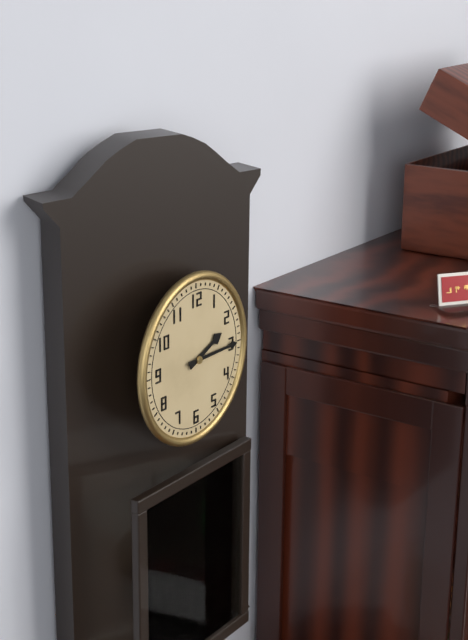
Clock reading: 2h15
